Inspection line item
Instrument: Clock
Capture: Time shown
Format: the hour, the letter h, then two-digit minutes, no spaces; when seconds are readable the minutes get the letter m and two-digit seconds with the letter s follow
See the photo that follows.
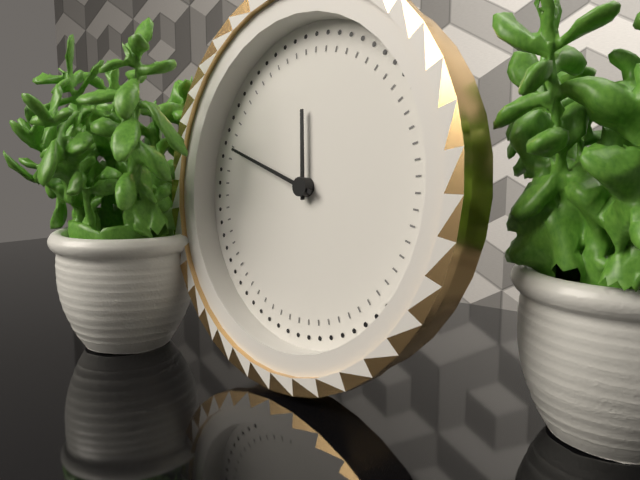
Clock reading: 11h48
